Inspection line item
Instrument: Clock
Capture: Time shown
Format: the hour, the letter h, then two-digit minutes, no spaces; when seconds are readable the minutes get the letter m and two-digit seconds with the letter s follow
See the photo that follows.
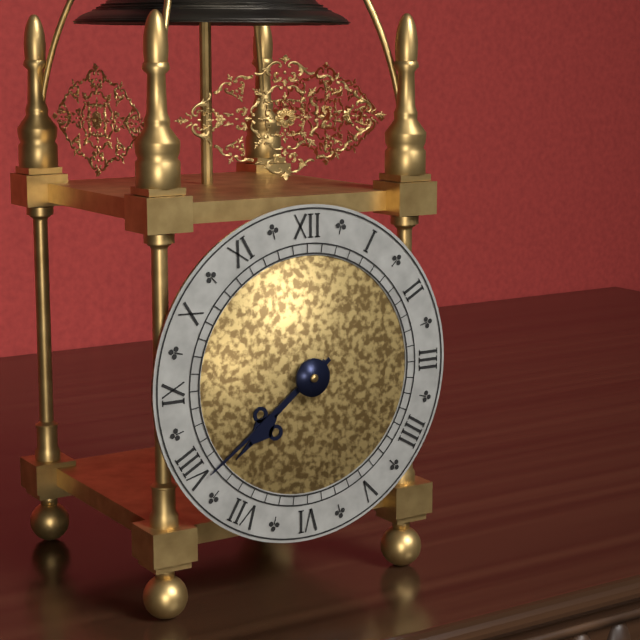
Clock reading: 7h39
